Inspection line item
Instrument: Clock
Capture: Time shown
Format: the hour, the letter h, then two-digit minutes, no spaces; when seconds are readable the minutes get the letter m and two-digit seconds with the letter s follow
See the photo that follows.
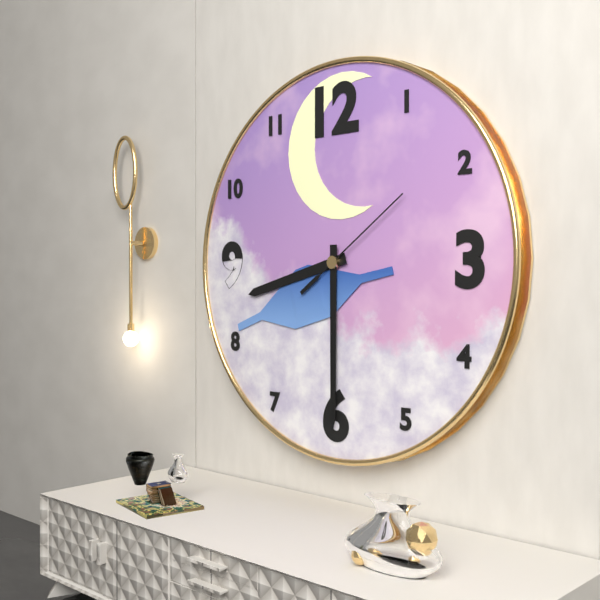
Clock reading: 8h30m09s
